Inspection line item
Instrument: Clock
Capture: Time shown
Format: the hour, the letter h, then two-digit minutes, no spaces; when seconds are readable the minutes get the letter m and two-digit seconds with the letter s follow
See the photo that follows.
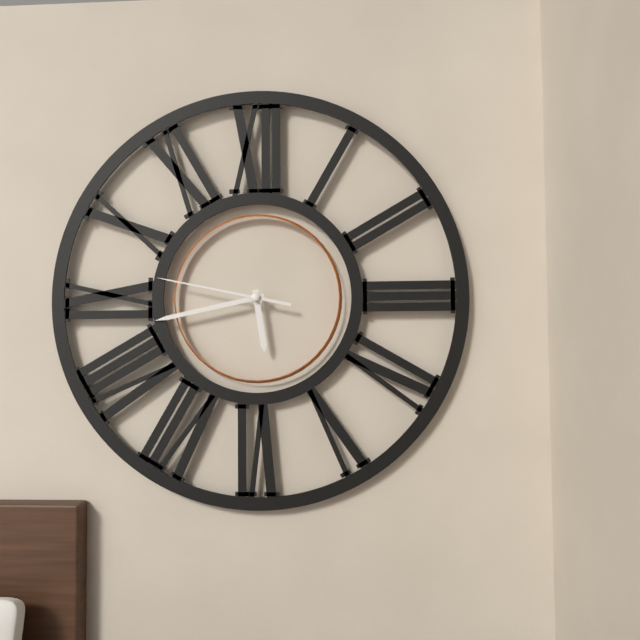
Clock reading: 5h43m47s
